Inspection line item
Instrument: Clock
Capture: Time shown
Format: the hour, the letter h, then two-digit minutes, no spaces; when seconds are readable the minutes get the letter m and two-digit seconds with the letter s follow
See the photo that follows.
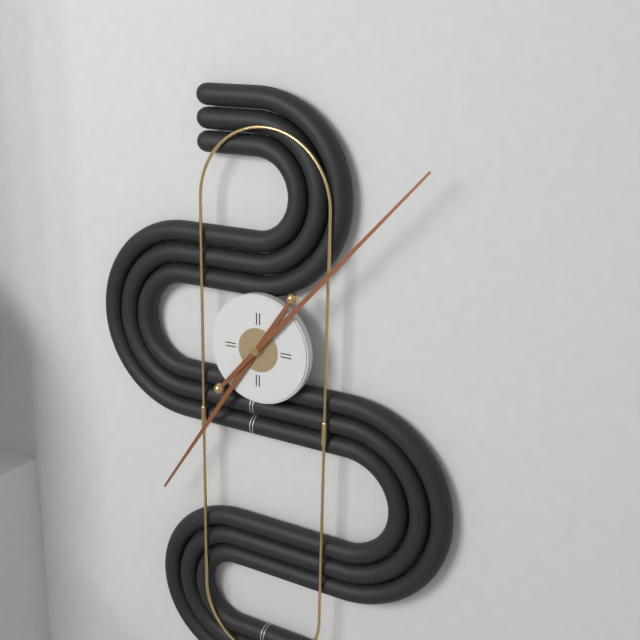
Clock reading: 7h07
